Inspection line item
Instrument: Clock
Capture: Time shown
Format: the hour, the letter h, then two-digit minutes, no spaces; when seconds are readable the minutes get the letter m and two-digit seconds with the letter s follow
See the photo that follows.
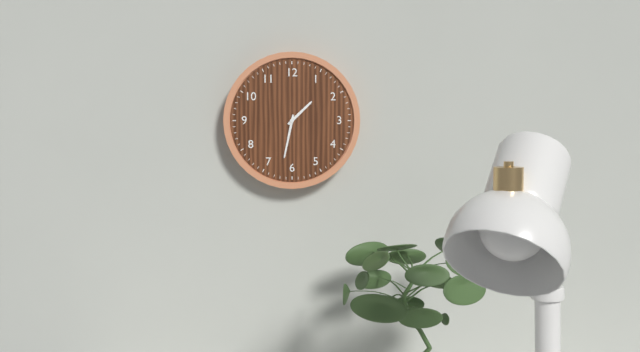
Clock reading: 1h32
